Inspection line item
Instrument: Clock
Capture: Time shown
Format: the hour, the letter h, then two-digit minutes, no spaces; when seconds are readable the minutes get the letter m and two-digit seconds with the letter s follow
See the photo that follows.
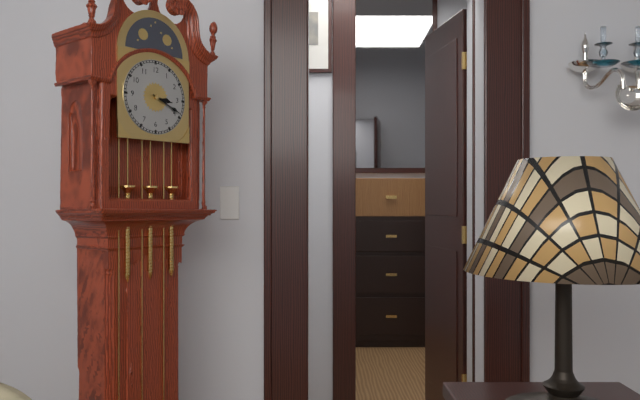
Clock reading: 3h19
